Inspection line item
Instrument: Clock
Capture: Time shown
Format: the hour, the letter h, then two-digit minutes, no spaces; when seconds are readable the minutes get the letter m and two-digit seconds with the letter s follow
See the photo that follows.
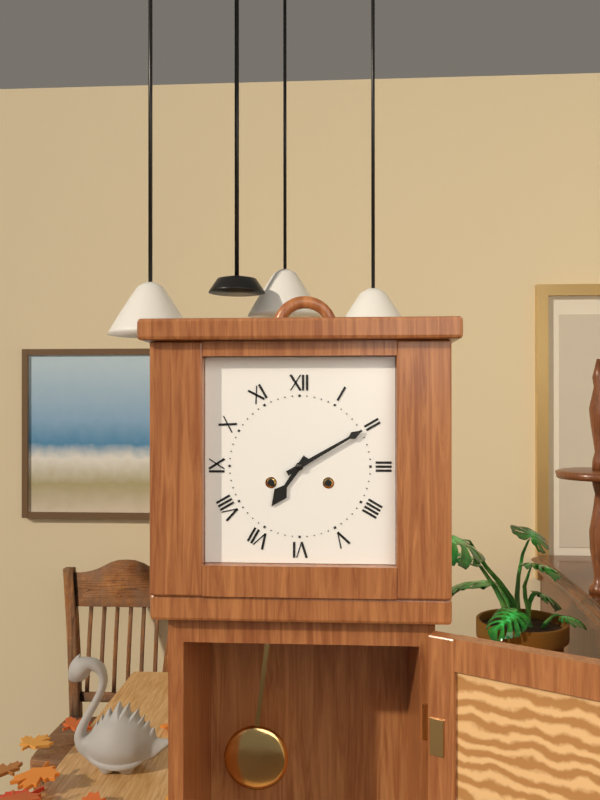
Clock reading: 7h10
